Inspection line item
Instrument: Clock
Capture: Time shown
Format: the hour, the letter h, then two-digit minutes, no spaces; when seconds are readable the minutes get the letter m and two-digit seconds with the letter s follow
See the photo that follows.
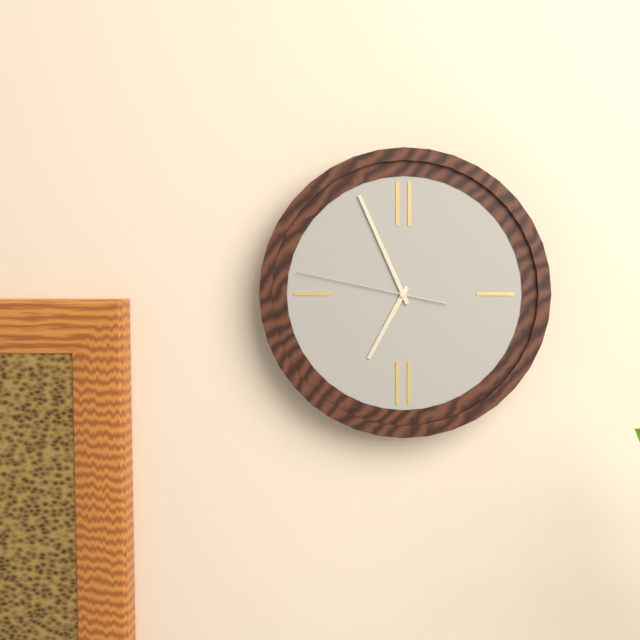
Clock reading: 6h56m47s
